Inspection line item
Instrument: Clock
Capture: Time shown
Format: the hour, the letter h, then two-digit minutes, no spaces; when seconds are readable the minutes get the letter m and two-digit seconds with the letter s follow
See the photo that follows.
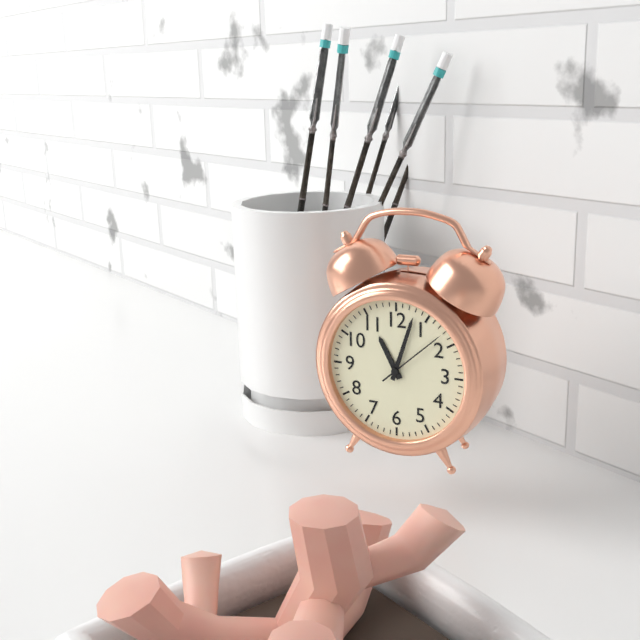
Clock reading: 11h03m08s
